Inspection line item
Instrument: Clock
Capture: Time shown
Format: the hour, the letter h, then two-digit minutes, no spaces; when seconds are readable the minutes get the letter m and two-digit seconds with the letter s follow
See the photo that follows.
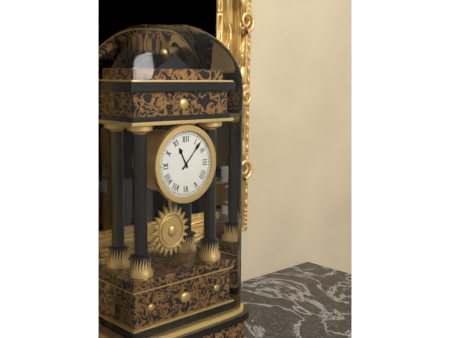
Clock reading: 11h07
